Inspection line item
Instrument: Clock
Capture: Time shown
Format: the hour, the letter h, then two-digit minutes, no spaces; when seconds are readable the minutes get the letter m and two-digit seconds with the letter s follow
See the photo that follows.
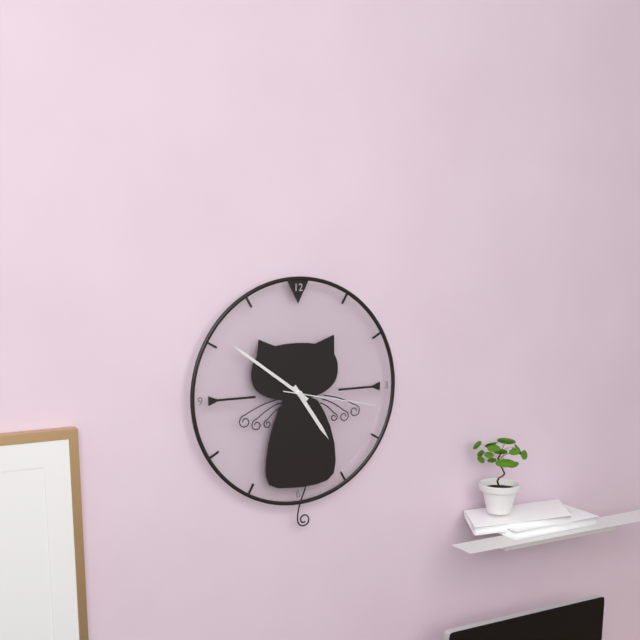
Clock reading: 4h51m17s
